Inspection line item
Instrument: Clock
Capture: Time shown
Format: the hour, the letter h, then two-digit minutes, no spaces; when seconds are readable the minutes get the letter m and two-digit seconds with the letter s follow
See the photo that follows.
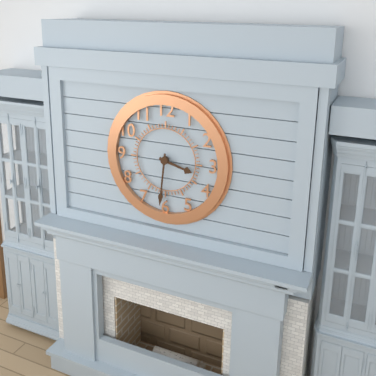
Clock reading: 3h31
